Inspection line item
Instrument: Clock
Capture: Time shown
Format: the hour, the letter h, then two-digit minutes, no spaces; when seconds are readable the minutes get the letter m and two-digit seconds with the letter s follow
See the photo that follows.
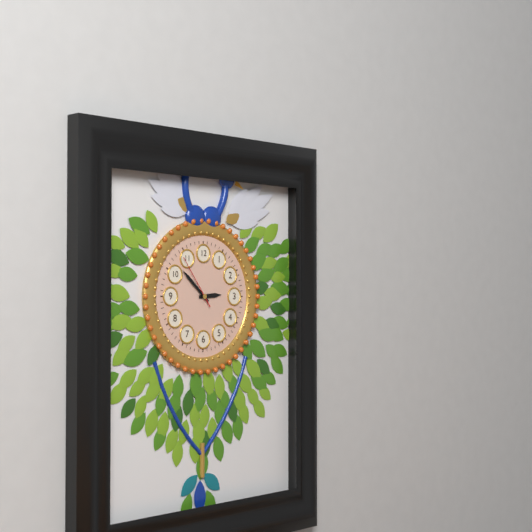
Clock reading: 2h52m54s
